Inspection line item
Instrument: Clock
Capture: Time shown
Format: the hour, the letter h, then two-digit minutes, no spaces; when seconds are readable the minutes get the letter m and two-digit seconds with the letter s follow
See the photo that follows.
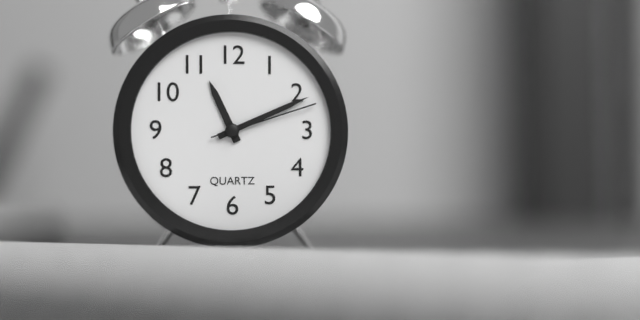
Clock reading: 11h11m12s
